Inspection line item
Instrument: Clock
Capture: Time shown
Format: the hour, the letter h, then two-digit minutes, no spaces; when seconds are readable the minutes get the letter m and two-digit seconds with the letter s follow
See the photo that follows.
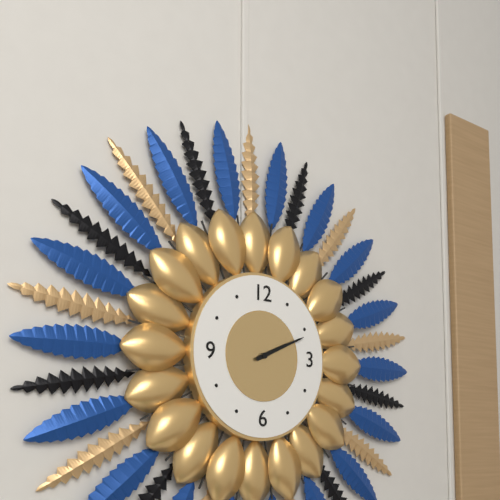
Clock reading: 2h11
